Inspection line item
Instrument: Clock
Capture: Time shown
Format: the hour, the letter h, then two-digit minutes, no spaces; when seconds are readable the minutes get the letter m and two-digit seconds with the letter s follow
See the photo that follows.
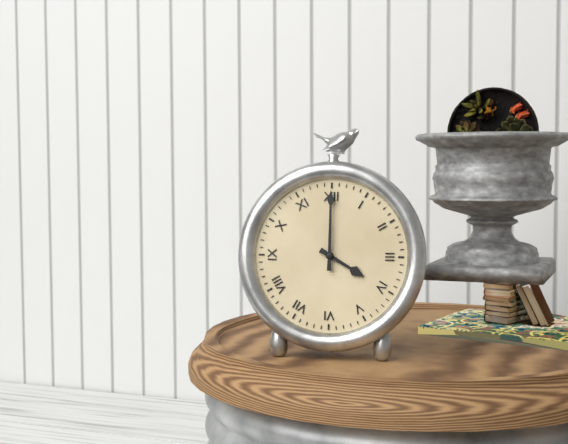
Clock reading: 4h00
